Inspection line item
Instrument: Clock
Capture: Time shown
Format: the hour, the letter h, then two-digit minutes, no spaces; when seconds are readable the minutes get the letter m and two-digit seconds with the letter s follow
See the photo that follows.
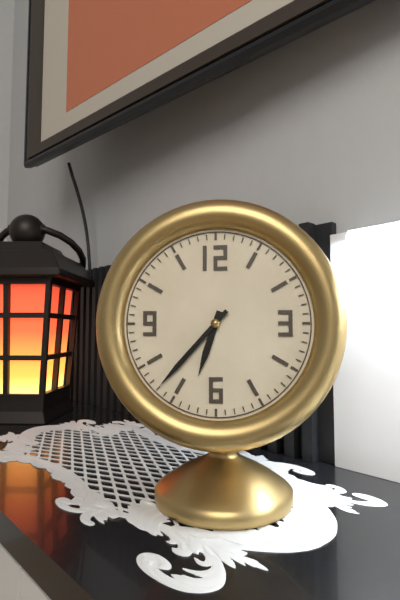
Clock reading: 6h37
